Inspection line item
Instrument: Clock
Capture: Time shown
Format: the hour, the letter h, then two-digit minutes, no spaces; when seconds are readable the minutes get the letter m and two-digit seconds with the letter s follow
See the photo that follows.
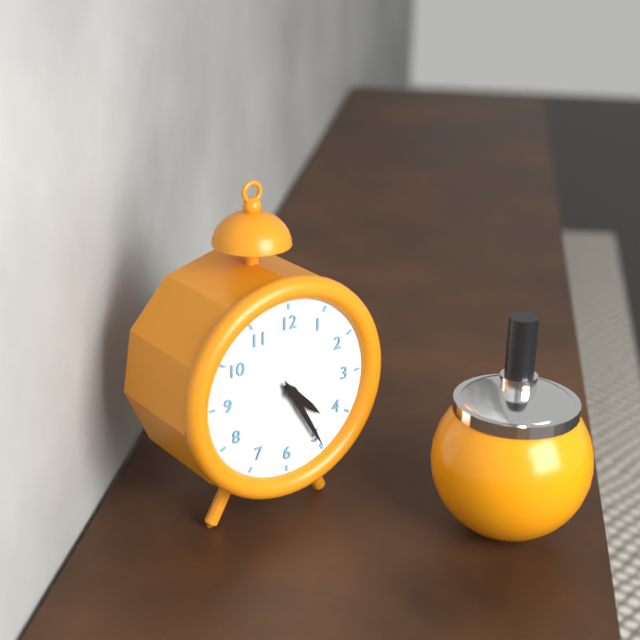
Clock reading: 4h25
